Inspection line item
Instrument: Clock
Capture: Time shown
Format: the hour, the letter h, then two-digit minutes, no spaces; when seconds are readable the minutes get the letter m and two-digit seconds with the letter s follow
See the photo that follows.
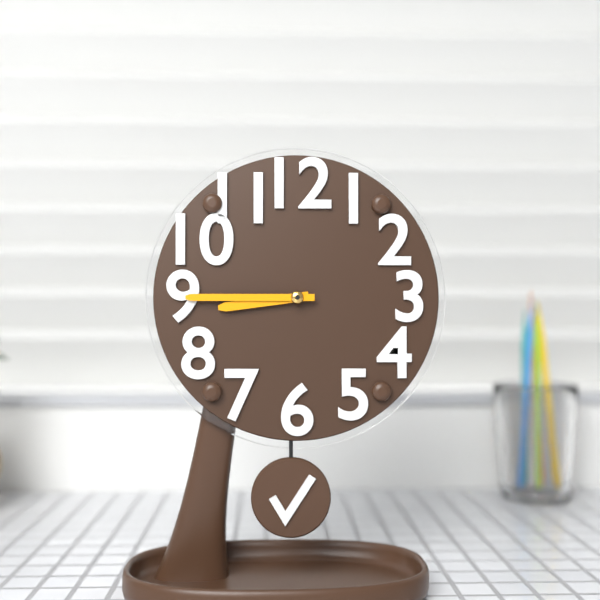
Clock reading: 8h45
